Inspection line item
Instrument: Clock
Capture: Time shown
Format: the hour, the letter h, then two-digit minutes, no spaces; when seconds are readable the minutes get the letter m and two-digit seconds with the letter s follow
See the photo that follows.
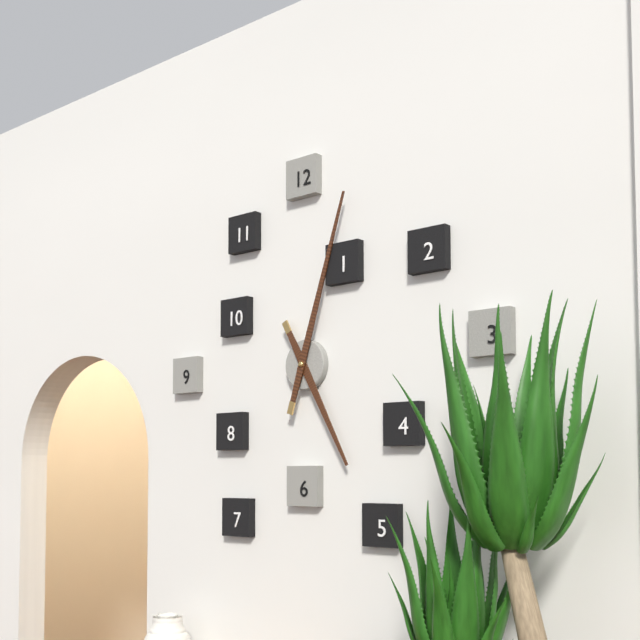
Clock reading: 5h03
